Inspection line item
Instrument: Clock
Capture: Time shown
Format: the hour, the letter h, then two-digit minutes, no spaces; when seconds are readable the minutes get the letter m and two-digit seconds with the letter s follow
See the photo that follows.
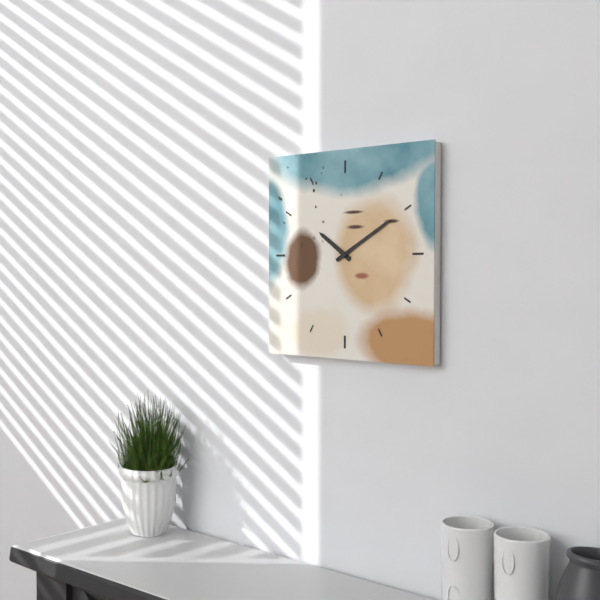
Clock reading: 10h10
